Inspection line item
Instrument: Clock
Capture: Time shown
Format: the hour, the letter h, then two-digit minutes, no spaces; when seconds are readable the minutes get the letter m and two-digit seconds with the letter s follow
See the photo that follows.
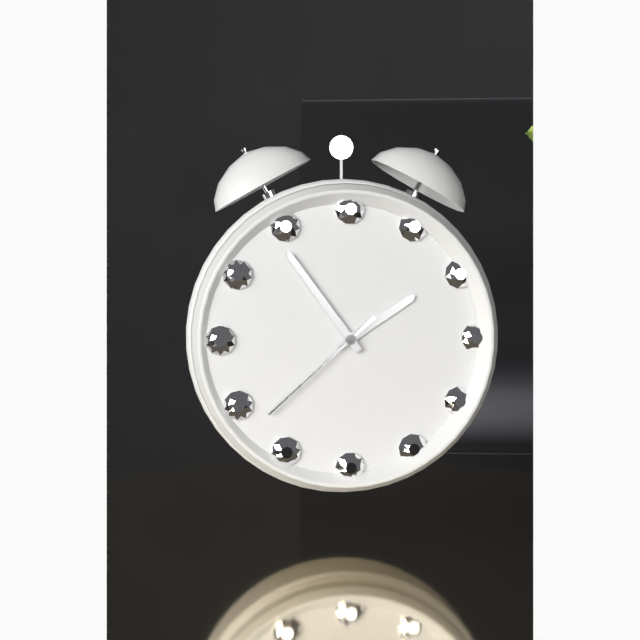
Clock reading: 1h54m38s
